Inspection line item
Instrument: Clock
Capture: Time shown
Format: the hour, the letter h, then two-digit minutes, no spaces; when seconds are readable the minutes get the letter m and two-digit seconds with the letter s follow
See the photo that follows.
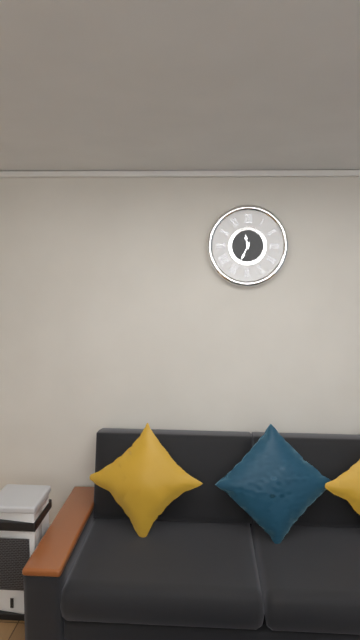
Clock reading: 11h34
